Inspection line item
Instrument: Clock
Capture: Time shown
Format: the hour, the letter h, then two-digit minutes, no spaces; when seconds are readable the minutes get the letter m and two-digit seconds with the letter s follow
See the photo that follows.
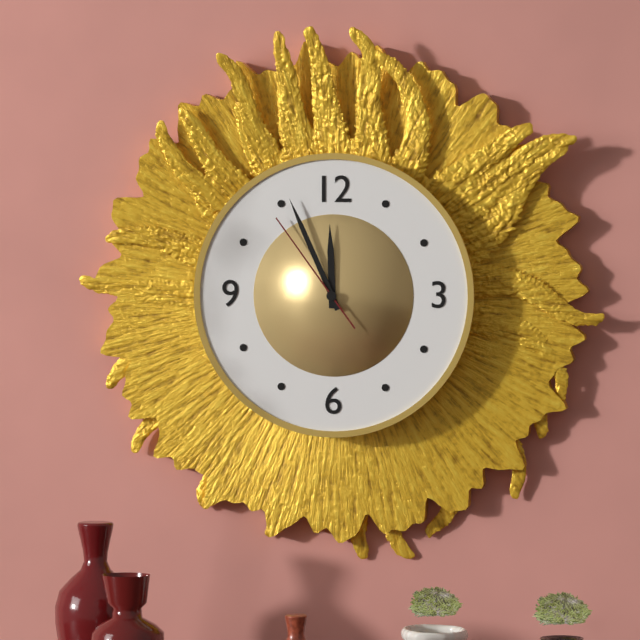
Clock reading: 11h56m54s
